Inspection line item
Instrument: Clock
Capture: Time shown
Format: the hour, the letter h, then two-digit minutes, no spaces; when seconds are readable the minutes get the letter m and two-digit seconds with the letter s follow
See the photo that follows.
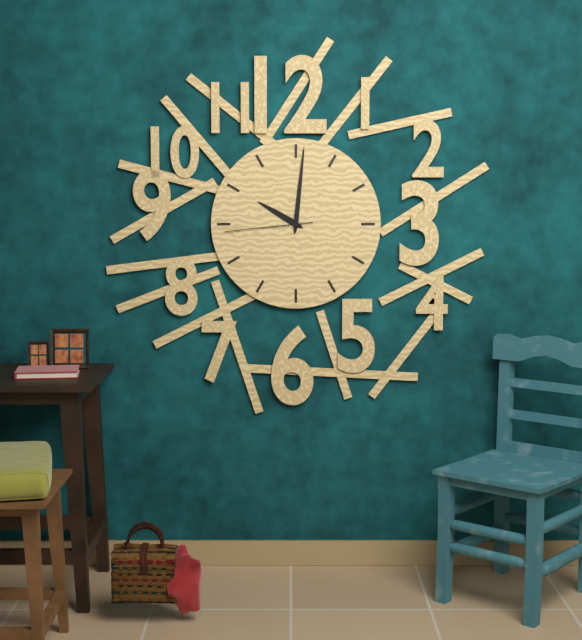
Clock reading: 10h01m44s
